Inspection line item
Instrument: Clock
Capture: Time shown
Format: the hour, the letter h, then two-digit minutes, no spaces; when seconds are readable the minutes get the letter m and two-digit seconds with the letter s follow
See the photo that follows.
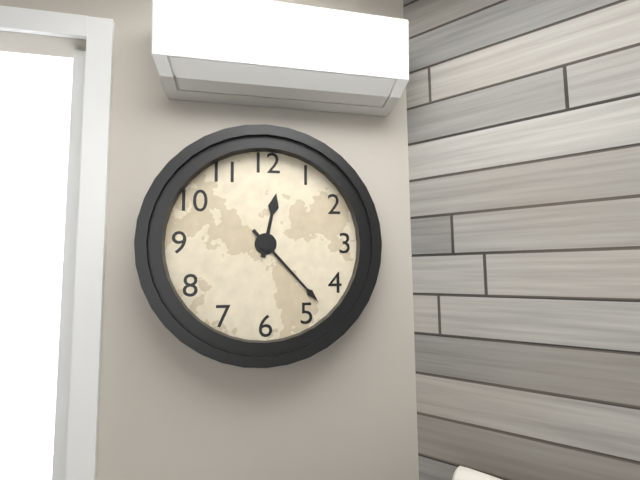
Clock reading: 12h23
